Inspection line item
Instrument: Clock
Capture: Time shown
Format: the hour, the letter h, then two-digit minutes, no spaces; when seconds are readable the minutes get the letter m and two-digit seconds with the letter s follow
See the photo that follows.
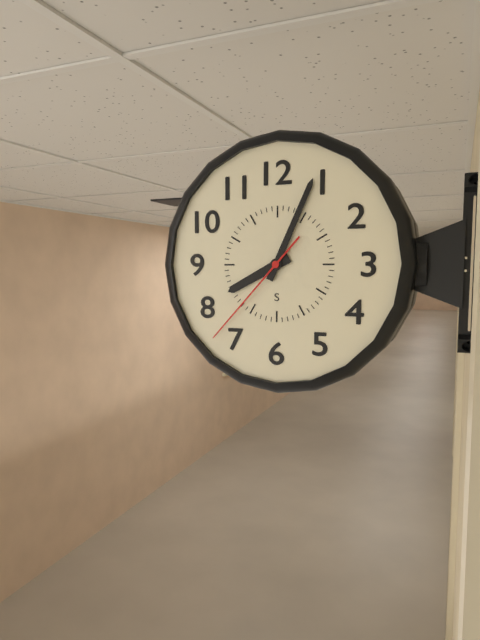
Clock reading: 8h04m37s
